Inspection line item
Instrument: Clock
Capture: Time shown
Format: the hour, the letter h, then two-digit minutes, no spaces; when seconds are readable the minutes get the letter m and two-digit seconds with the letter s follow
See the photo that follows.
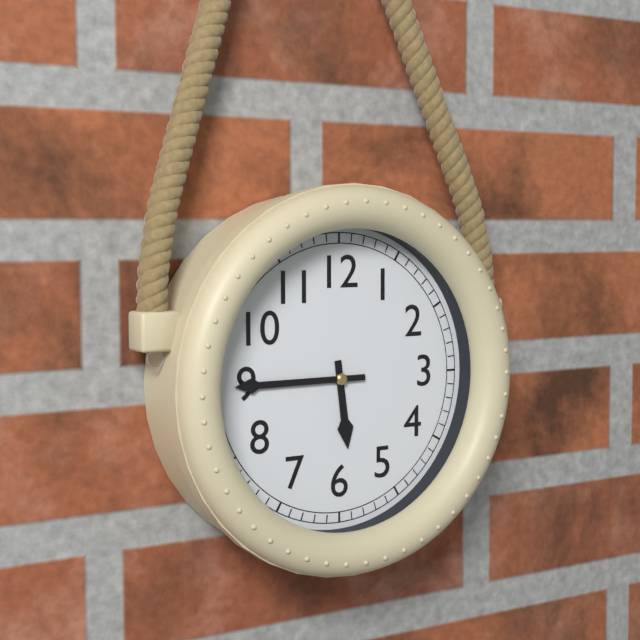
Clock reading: 5h45
